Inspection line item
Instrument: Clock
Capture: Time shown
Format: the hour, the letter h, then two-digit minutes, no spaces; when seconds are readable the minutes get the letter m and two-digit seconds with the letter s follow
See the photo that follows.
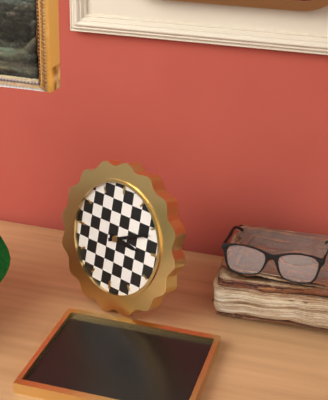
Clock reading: 3h11
